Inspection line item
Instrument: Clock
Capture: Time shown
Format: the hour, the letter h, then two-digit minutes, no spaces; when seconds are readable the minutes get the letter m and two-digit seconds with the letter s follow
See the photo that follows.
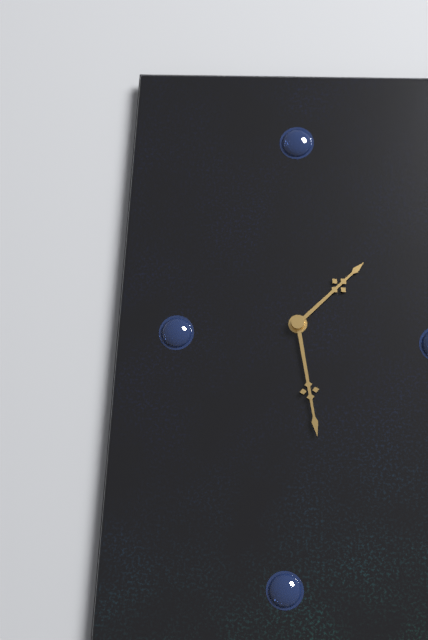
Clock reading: 1h28
